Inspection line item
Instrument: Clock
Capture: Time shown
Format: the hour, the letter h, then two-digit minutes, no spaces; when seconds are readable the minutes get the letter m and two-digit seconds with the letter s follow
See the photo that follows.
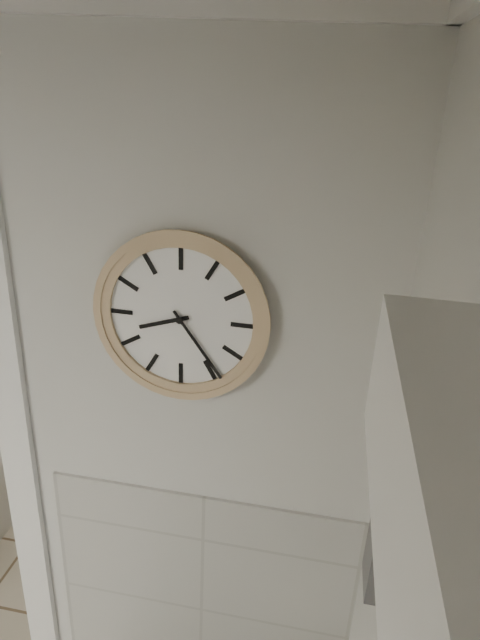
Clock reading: 8h24
